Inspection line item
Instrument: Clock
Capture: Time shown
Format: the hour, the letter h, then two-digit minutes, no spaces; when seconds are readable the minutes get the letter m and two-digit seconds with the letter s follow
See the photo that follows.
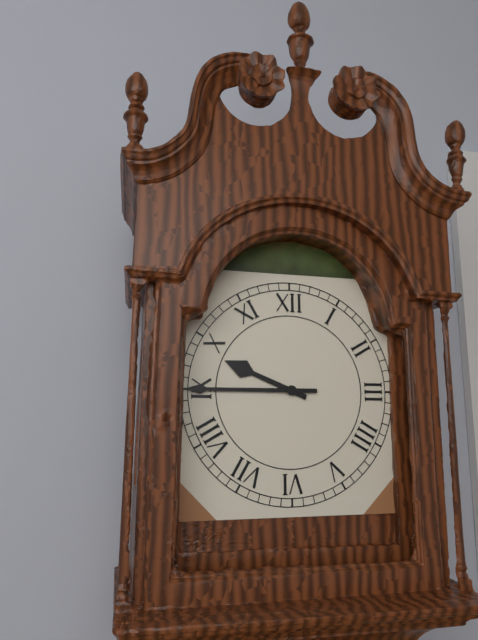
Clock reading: 9h45
